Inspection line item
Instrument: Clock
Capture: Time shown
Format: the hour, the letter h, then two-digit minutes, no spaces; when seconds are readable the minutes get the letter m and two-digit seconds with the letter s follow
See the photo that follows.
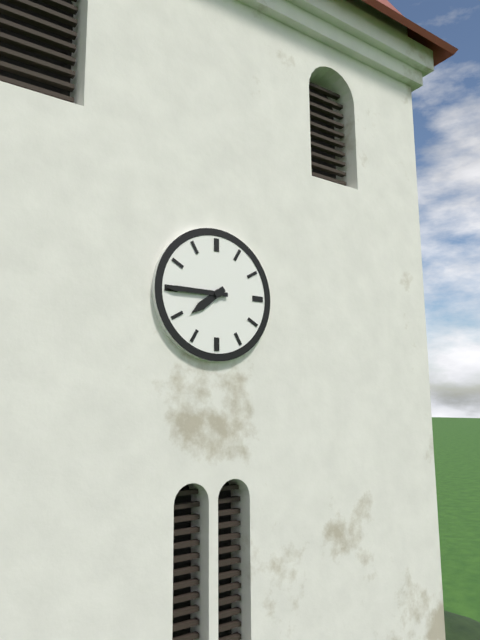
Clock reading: 7h45
